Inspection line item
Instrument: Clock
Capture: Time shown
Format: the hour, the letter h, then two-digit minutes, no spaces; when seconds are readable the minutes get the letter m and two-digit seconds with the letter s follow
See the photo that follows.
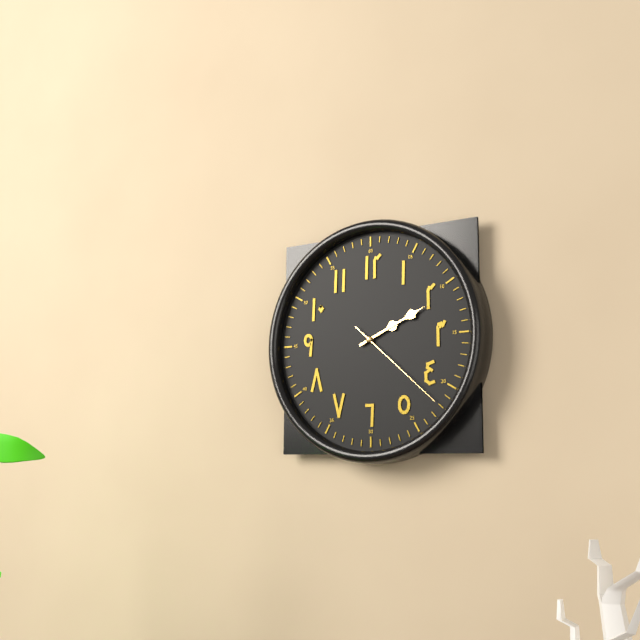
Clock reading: 2h11m22s
